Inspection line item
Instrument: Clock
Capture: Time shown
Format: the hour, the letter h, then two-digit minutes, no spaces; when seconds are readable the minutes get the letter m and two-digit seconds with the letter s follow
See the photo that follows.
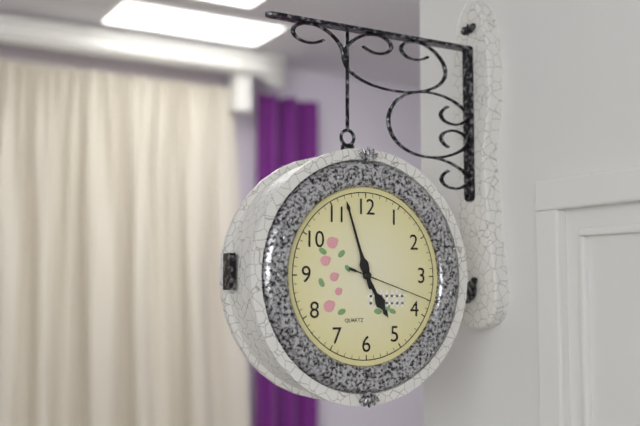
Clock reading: 4h57m18s
